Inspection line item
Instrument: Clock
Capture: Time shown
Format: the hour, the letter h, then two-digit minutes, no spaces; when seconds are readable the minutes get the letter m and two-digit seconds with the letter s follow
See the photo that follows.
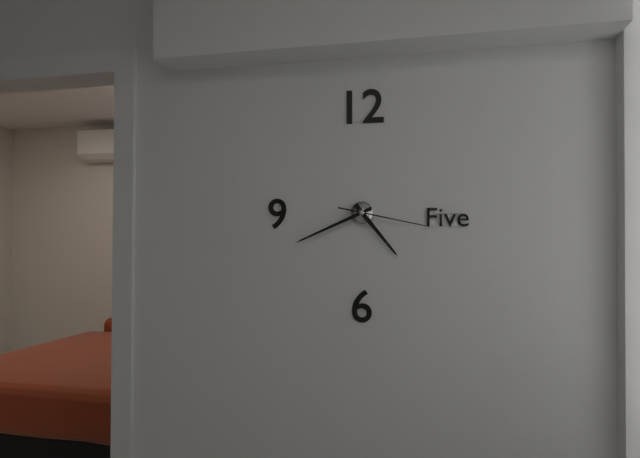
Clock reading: 4h41m17s
